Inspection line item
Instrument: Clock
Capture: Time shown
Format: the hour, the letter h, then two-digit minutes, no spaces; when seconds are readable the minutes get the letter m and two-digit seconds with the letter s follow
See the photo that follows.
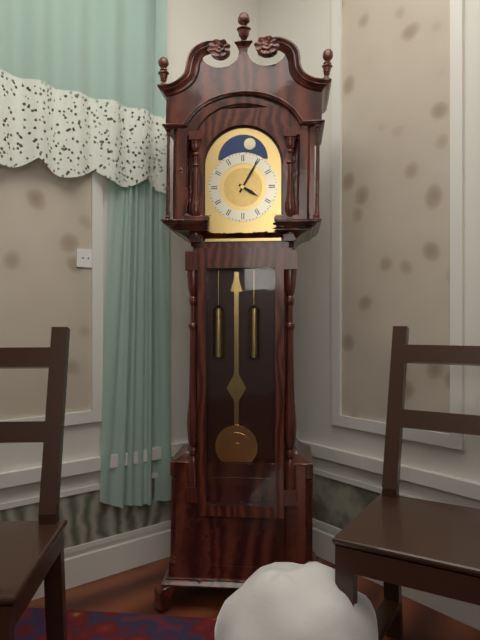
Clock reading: 4h05
